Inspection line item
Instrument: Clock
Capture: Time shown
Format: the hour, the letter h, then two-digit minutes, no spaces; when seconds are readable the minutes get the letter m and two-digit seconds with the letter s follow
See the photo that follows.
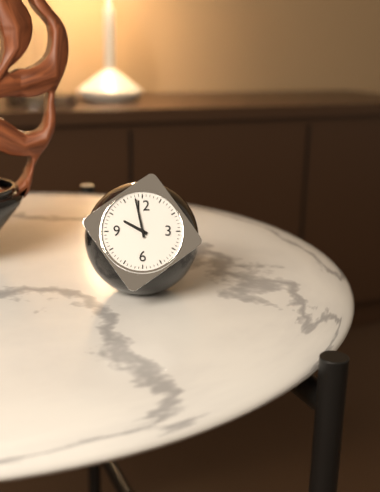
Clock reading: 9h58
